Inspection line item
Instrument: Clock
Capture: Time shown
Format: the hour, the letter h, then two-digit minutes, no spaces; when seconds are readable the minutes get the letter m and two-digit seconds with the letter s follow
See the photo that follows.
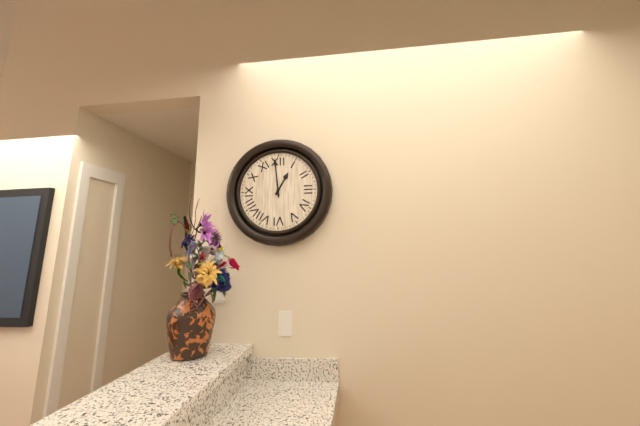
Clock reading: 12h59
